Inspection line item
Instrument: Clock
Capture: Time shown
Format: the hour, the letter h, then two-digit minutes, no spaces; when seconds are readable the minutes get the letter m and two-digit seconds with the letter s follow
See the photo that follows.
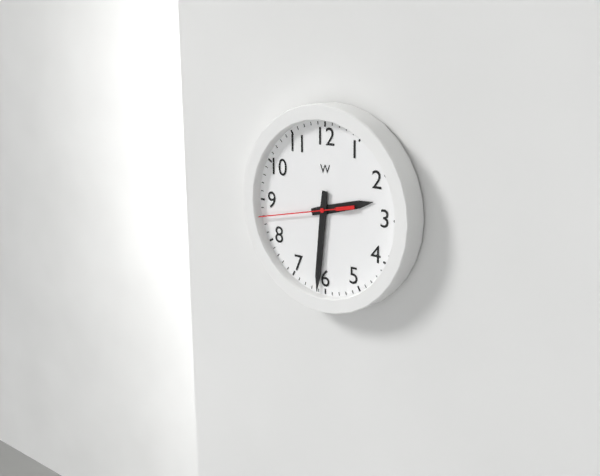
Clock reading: 2h31m43s
